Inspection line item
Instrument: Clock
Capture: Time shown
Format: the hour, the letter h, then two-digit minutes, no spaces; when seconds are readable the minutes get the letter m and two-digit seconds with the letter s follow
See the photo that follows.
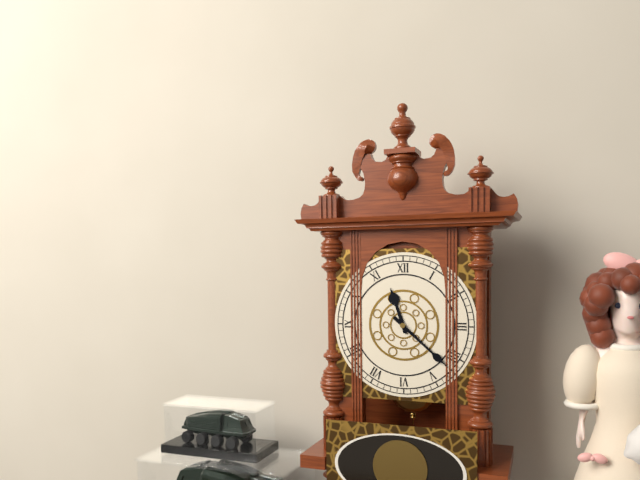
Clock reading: 11h22
